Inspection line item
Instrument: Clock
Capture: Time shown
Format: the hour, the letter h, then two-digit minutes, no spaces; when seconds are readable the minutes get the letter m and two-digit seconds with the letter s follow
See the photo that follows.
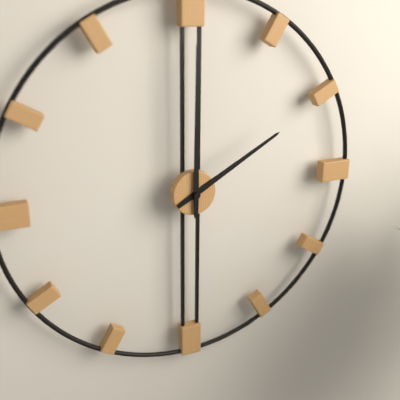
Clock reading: 2h00
